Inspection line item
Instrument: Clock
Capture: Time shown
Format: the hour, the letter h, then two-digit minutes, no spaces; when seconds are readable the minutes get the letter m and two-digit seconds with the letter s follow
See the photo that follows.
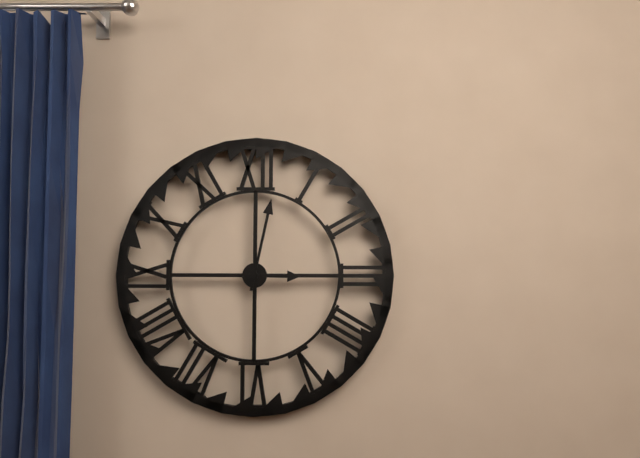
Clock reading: 3h02
